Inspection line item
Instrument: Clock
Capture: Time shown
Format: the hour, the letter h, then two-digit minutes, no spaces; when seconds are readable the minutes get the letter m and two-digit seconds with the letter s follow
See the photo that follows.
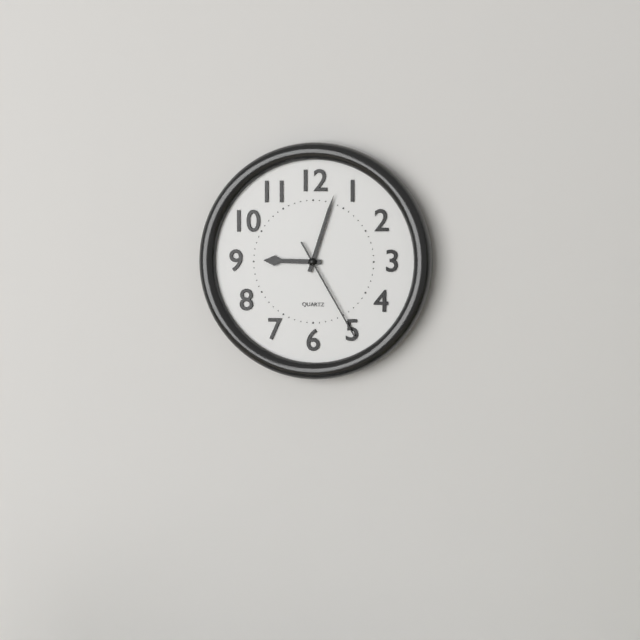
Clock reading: 9h03m25s
